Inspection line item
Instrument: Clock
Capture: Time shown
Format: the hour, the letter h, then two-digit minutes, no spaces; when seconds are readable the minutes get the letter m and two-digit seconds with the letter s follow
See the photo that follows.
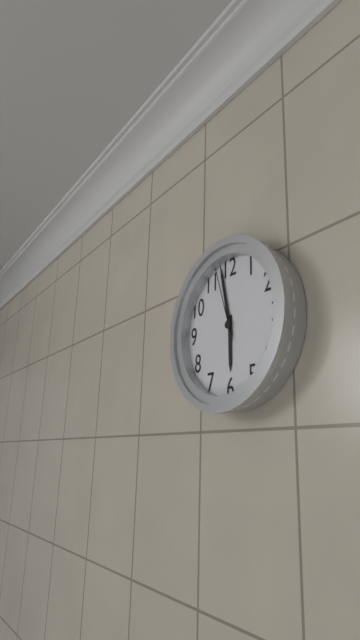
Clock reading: 5h58m57s
